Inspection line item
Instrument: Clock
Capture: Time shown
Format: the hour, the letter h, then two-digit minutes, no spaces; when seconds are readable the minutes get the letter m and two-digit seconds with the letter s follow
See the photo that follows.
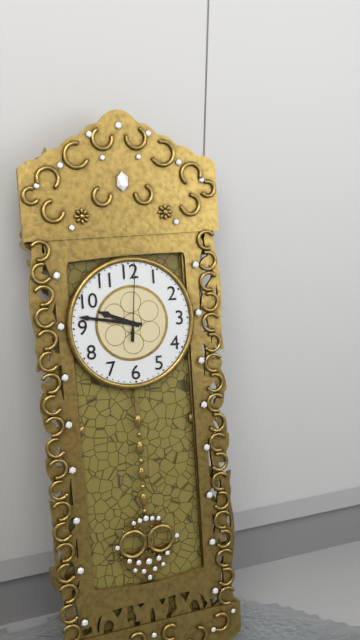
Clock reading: 9h47m01s
